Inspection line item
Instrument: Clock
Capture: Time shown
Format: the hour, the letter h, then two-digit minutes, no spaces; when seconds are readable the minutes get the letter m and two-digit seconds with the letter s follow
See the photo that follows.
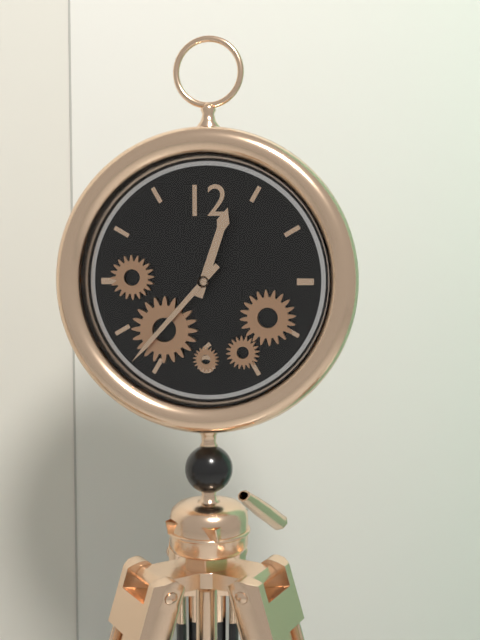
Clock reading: 12h37
